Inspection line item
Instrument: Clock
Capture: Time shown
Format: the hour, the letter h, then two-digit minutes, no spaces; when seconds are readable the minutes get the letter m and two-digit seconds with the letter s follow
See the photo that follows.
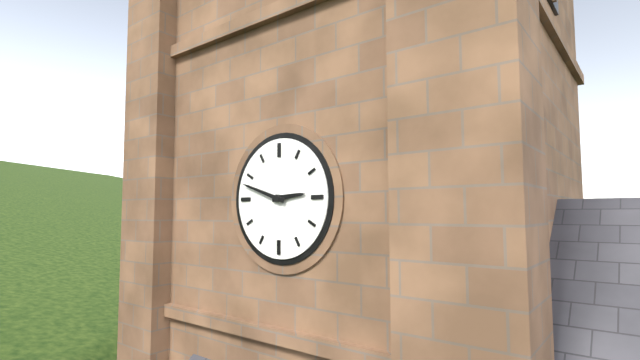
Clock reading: 2h48
